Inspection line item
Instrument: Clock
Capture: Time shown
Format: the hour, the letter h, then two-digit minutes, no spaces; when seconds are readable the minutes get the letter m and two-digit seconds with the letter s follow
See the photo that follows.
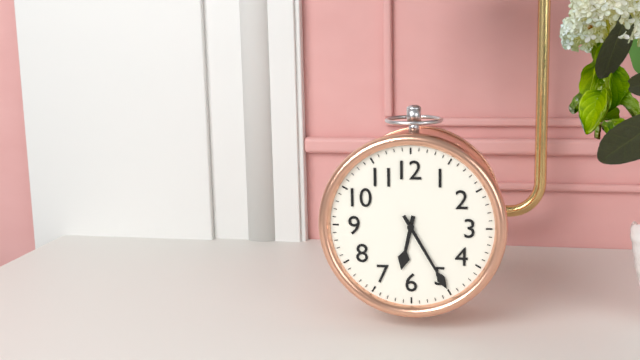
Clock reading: 6h25
